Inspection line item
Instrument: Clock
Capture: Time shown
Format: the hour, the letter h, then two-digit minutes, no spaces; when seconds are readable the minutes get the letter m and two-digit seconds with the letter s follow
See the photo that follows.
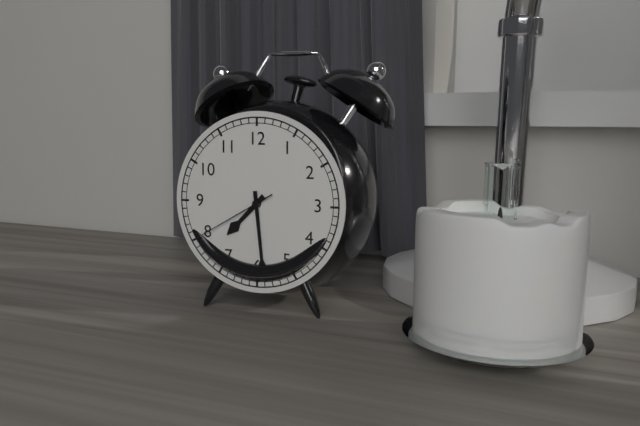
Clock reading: 7h29m40s
